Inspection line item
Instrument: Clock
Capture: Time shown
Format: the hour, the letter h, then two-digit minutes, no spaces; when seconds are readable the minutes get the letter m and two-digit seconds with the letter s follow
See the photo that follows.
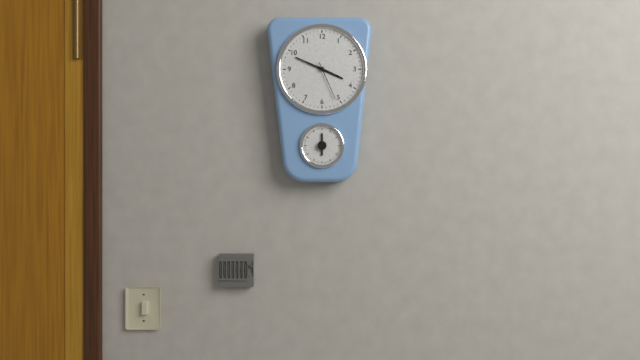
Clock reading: 3h49
